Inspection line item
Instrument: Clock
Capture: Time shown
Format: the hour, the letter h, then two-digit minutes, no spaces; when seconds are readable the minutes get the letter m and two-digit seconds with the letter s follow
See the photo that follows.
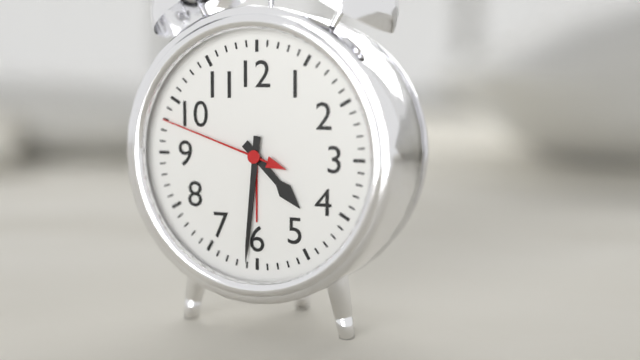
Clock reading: 4h31m48s
